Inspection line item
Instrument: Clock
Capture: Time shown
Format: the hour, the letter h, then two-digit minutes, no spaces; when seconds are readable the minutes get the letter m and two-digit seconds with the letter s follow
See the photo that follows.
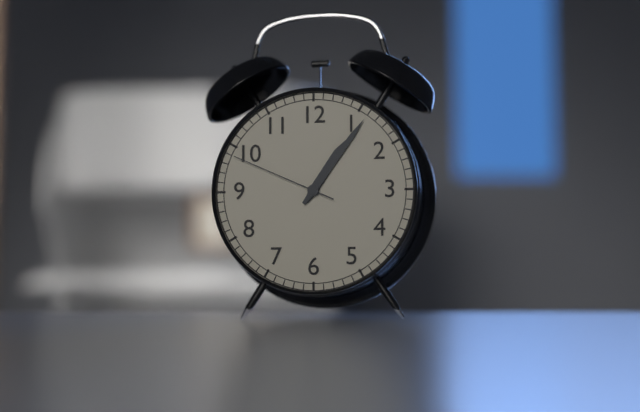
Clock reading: 1h06m49s
